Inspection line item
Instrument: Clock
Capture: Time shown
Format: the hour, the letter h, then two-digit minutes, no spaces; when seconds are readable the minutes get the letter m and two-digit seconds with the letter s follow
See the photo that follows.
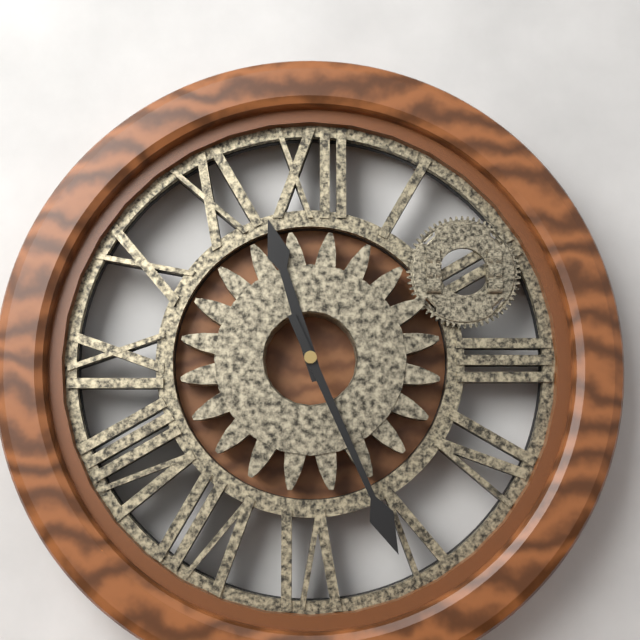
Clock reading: 11h26
